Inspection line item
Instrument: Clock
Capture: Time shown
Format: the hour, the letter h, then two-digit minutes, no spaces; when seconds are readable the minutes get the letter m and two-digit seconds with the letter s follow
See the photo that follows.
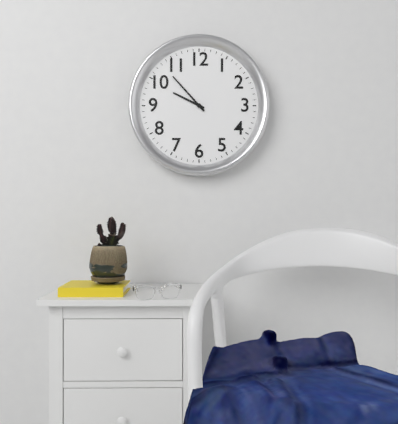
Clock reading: 9h53
